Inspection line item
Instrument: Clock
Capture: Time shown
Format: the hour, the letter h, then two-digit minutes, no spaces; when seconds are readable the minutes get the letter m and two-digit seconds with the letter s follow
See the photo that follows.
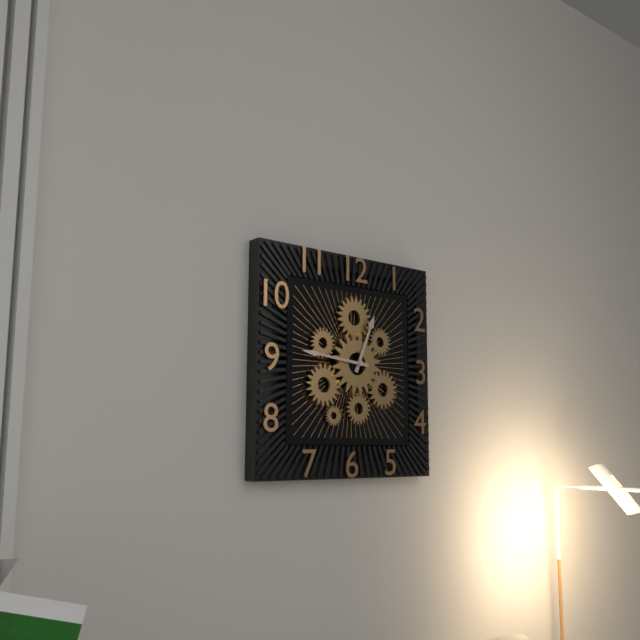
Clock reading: 12h46
